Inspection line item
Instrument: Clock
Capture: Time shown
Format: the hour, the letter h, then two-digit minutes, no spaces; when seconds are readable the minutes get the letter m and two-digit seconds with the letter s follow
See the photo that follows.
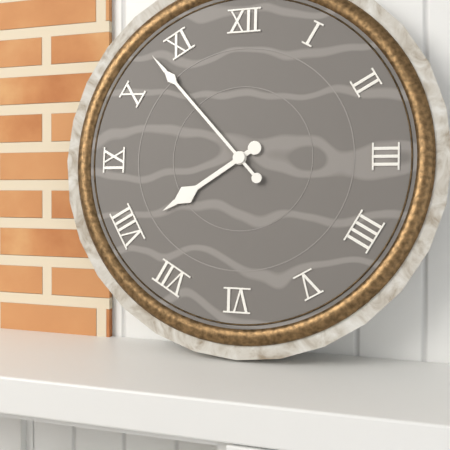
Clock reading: 7h53
